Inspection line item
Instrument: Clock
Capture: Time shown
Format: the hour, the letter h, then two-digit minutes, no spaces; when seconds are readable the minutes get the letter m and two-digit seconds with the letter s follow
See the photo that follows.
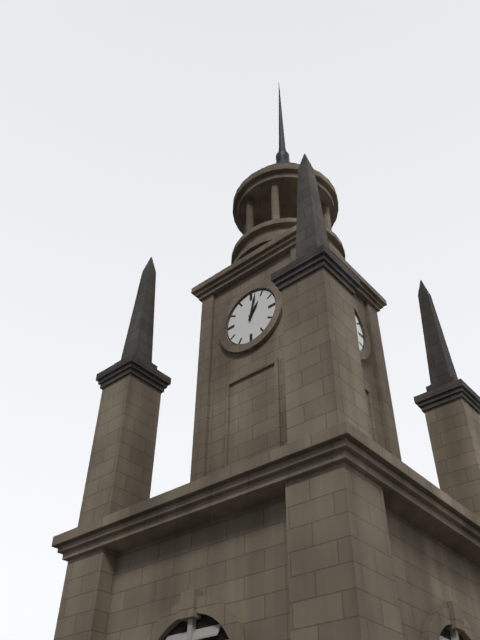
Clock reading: 1h02
